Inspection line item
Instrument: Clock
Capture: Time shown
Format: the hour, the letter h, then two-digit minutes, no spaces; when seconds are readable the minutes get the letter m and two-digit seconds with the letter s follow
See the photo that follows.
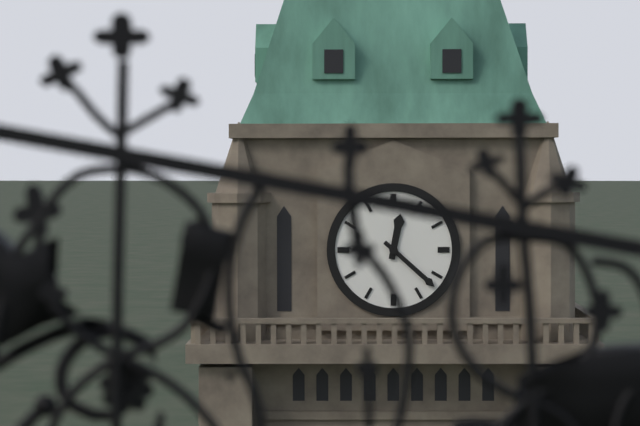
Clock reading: 12h22
